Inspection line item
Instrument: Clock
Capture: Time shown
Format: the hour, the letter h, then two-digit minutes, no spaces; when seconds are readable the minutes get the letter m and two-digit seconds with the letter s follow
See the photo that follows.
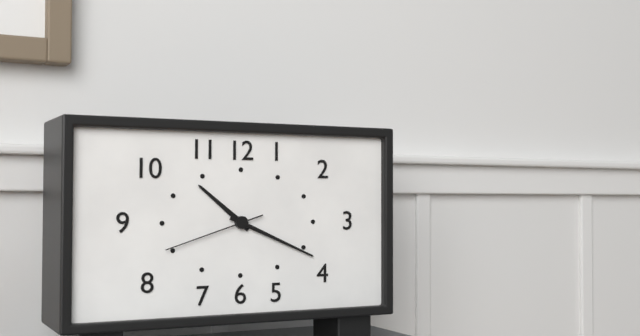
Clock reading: 10h19m42s
